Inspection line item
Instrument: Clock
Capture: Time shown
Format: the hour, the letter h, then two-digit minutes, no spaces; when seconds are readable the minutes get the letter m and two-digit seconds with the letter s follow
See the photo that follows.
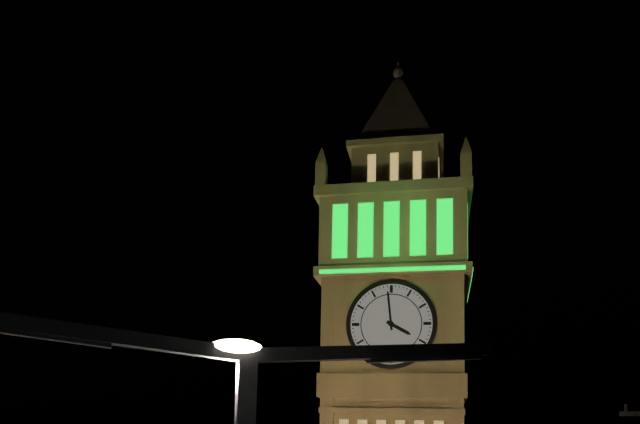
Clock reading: 3h59
